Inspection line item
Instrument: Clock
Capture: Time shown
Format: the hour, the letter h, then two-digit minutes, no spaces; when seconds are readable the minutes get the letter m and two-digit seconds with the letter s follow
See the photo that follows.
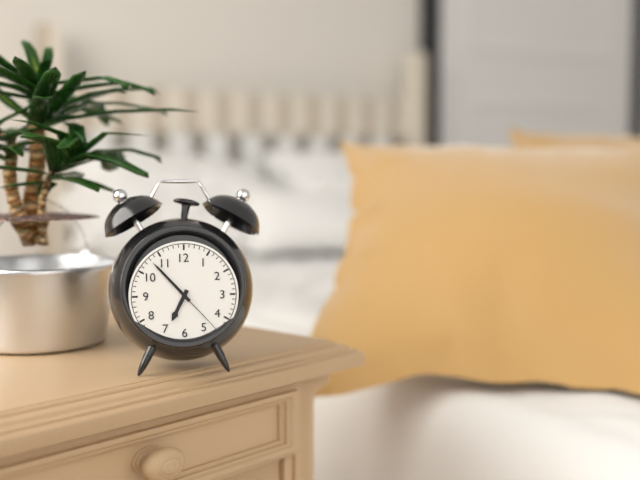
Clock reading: 6h53m23s
